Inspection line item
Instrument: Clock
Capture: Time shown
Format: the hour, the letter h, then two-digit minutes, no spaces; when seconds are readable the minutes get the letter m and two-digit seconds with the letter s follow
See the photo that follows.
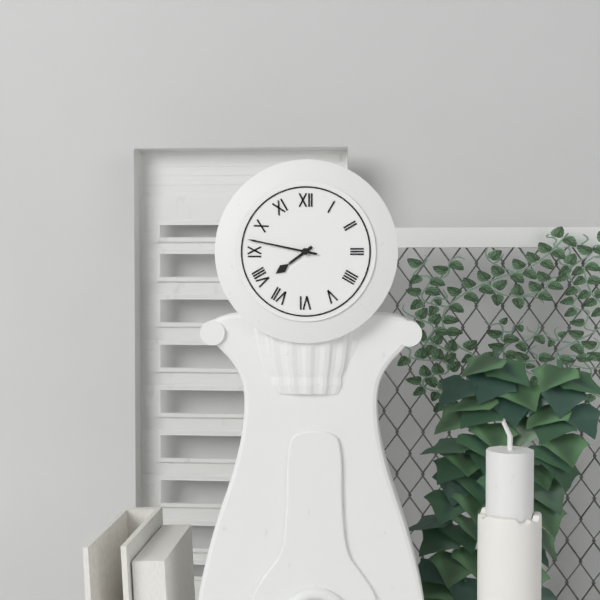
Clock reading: 7h47
